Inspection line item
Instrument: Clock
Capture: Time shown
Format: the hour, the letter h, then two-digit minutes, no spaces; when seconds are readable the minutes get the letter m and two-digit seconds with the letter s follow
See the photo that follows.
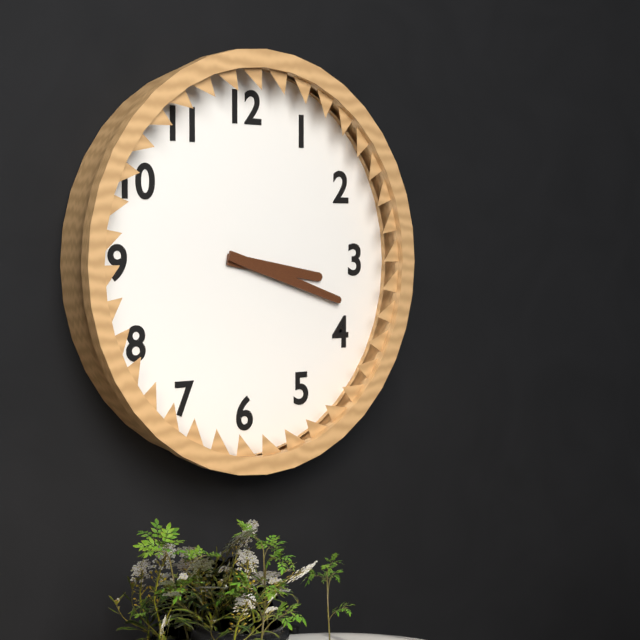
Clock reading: 3h18
